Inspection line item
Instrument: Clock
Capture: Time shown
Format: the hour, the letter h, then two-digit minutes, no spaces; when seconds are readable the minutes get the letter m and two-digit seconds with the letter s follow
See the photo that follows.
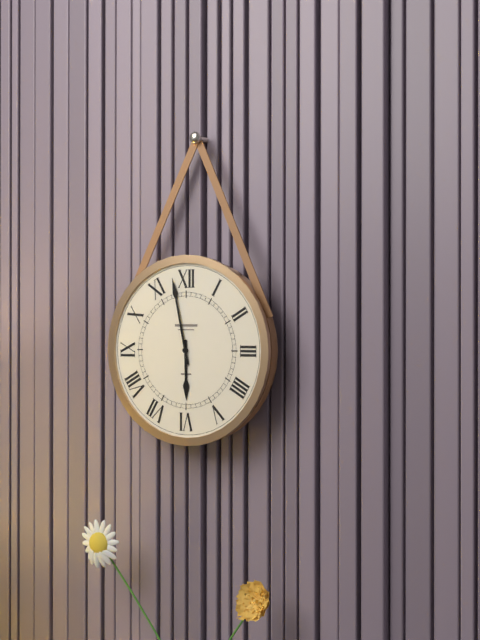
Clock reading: 5h58
